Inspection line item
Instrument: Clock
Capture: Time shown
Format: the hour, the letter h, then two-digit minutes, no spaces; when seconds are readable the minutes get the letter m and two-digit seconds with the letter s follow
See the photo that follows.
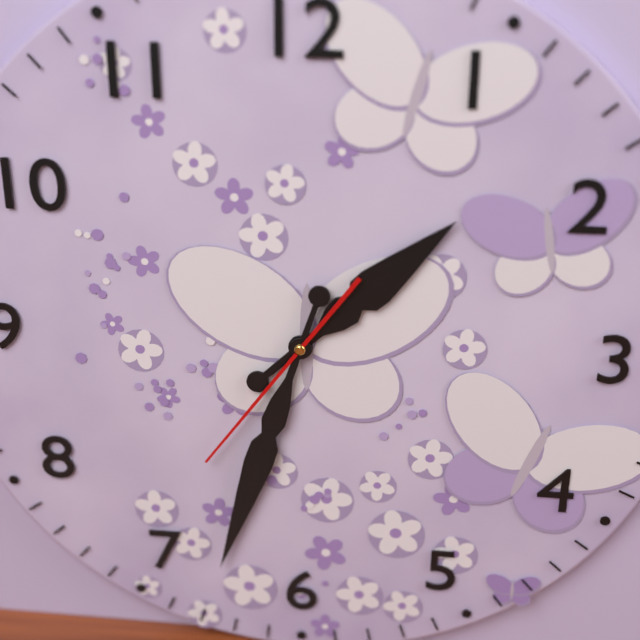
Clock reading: 1h33m36s
